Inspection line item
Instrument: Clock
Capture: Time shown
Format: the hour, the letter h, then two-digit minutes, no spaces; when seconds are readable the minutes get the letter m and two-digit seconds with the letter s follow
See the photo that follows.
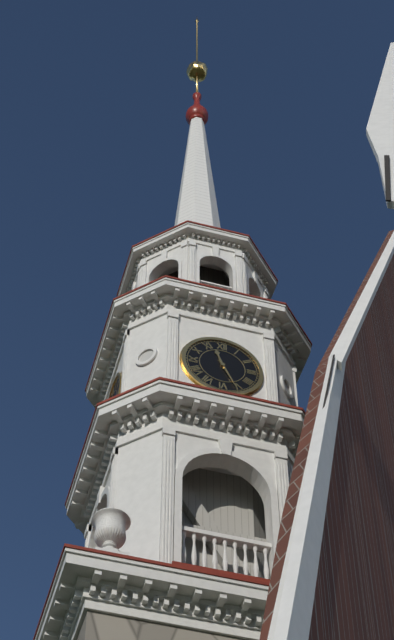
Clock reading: 11h26
